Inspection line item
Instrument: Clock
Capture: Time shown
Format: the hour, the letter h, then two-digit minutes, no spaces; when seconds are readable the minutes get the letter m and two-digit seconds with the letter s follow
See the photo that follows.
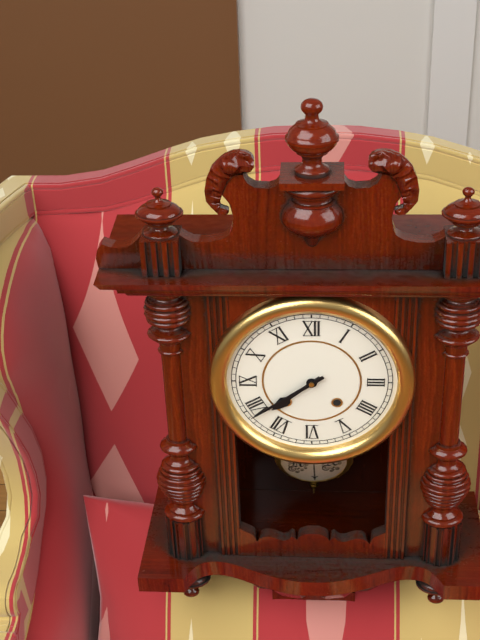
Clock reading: 7h39
